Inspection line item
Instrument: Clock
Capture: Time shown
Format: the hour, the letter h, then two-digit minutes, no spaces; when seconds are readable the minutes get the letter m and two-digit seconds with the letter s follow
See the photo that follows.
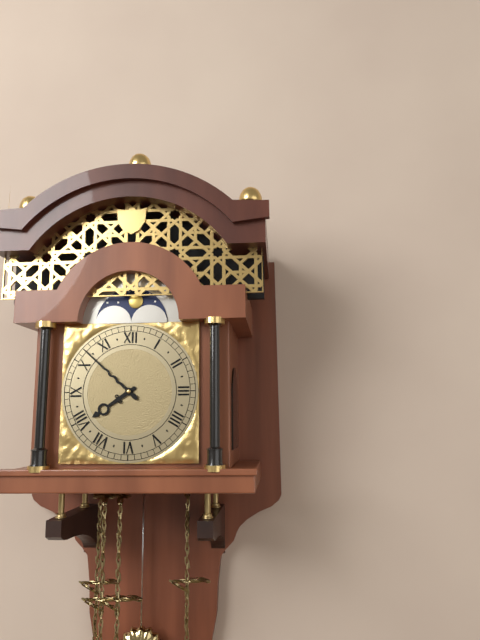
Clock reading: 7h52
